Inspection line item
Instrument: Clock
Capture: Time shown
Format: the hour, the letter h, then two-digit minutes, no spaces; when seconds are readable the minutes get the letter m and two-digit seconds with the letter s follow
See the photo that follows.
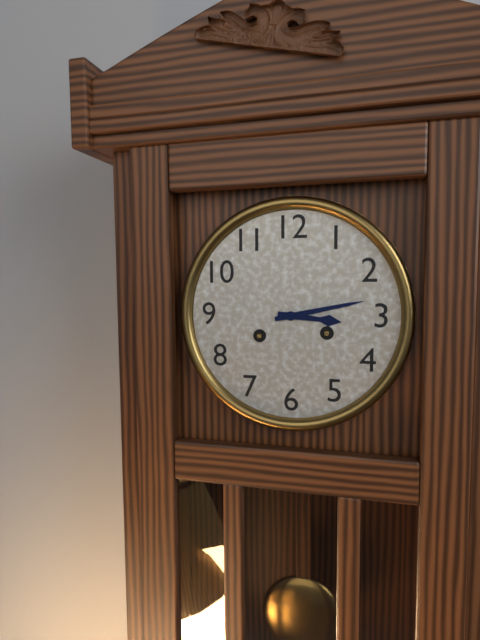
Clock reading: 3h13
